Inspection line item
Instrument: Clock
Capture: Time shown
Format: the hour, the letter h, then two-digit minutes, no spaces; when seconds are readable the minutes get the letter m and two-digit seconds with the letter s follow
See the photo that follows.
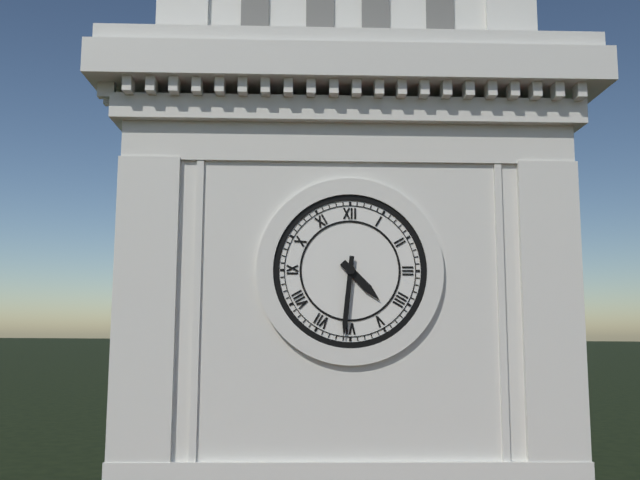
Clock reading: 4h31
